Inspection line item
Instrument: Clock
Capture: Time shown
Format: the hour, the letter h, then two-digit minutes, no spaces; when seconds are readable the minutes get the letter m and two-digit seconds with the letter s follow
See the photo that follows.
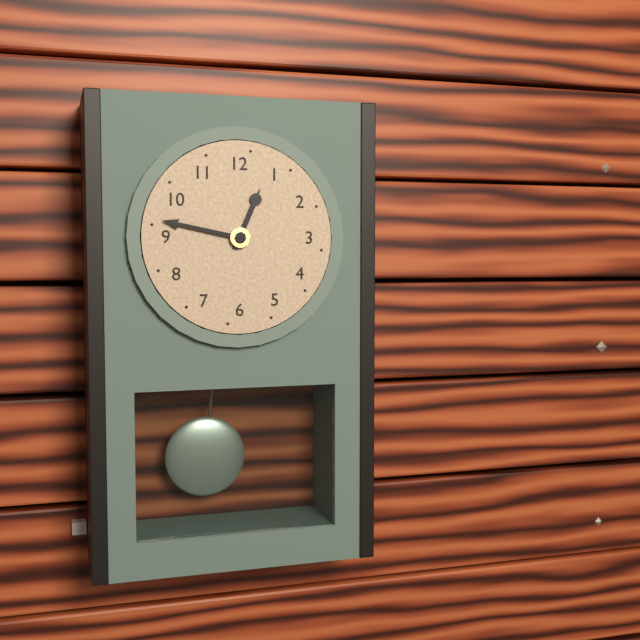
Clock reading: 12h47
